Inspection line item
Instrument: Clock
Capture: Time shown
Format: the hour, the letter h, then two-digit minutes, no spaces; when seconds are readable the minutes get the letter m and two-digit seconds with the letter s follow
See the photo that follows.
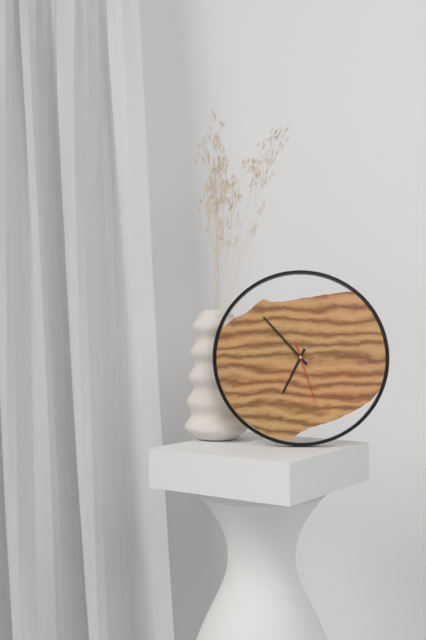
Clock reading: 6h53m27s
